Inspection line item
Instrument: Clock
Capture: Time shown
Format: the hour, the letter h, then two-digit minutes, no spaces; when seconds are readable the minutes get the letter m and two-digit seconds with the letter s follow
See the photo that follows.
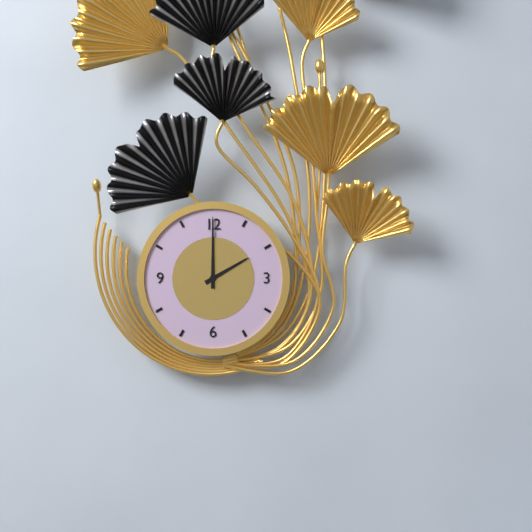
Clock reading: 2h00
